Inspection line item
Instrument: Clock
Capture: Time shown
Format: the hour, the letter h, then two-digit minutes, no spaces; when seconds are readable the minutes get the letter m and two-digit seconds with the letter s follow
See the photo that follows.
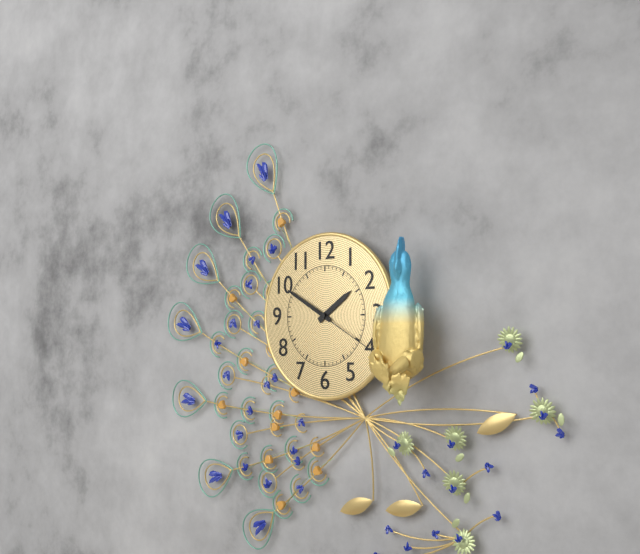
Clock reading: 1h50m20s
